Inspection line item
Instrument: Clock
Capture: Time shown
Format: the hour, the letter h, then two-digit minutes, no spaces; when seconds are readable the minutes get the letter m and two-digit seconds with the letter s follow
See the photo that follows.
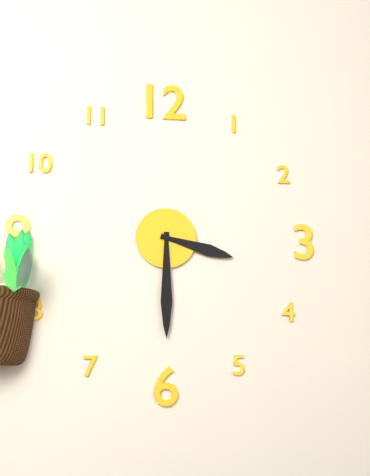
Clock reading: 3h30
